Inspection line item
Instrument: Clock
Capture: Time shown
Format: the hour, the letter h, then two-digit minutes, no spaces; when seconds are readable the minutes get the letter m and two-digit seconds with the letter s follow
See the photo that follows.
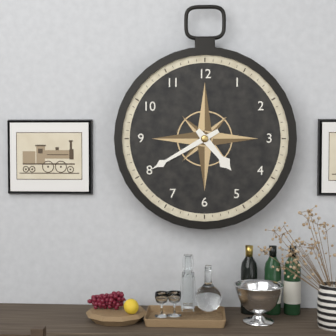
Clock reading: 4h40
